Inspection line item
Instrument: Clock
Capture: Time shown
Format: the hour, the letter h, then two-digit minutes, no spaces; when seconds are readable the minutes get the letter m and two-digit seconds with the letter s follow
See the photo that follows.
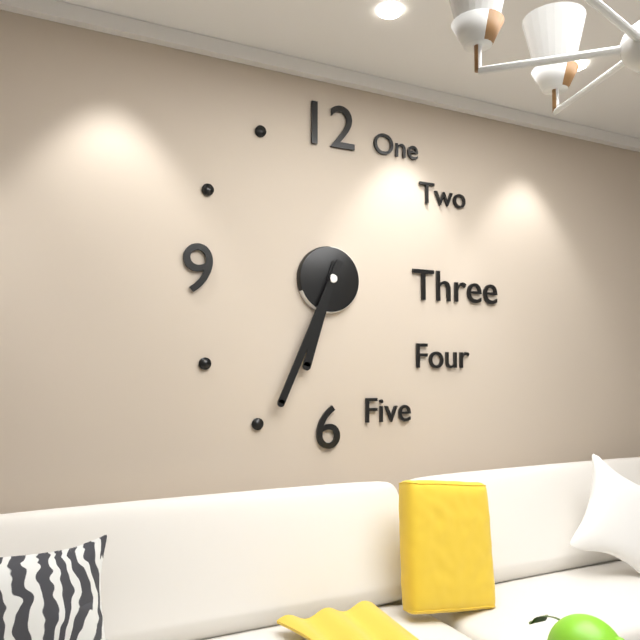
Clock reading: 6h34
